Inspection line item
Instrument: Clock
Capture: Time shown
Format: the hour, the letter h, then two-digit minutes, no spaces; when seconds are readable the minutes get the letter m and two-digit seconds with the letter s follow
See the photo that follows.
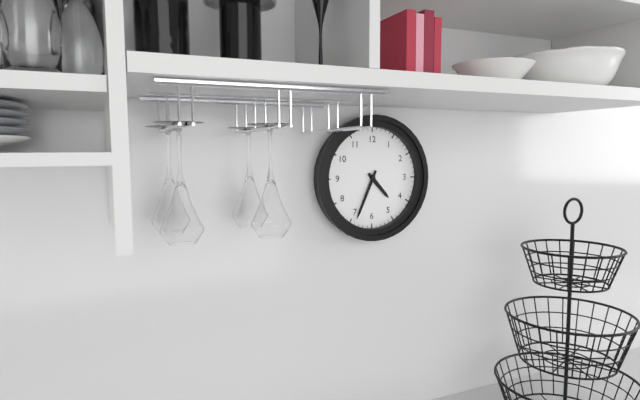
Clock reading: 4h34
